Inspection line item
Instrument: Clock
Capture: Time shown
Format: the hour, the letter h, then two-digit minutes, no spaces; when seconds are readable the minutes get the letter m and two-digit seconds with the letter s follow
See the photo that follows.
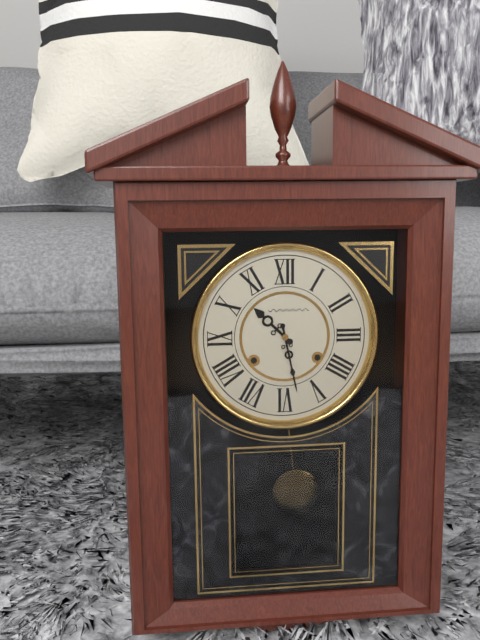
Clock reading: 10h28
